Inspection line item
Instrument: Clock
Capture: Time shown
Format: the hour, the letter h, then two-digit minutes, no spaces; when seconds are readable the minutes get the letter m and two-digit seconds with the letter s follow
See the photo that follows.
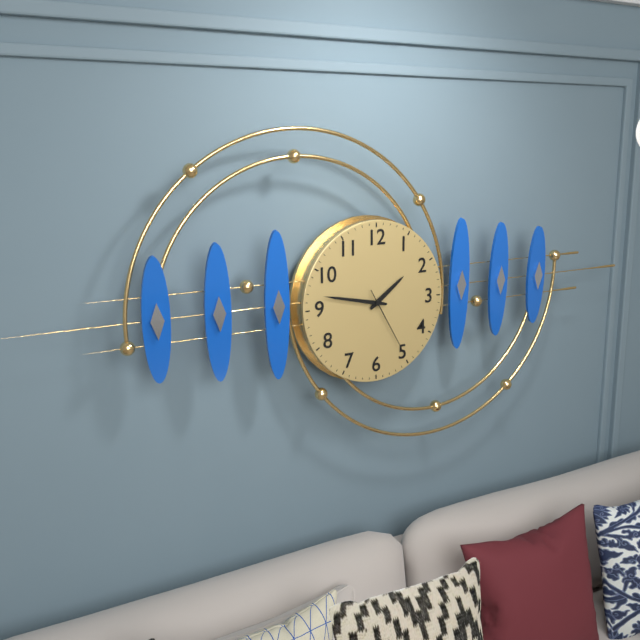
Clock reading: 1h47m25s
